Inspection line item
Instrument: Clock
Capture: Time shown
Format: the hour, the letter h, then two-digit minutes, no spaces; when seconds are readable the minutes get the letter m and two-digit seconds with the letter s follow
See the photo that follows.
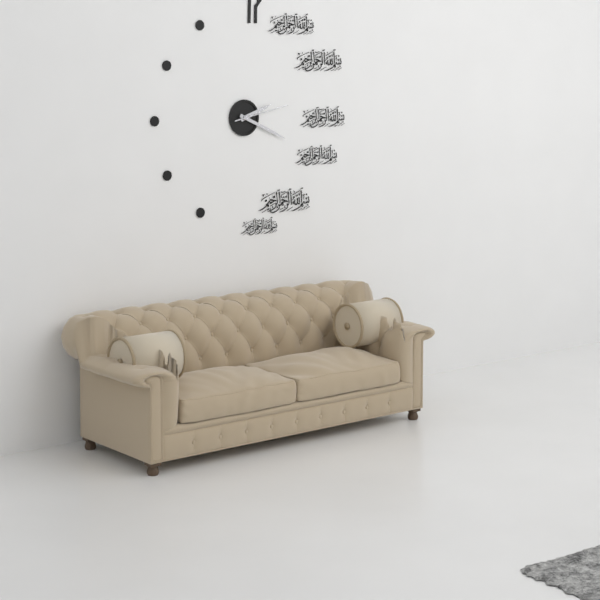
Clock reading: 2h19m13s
